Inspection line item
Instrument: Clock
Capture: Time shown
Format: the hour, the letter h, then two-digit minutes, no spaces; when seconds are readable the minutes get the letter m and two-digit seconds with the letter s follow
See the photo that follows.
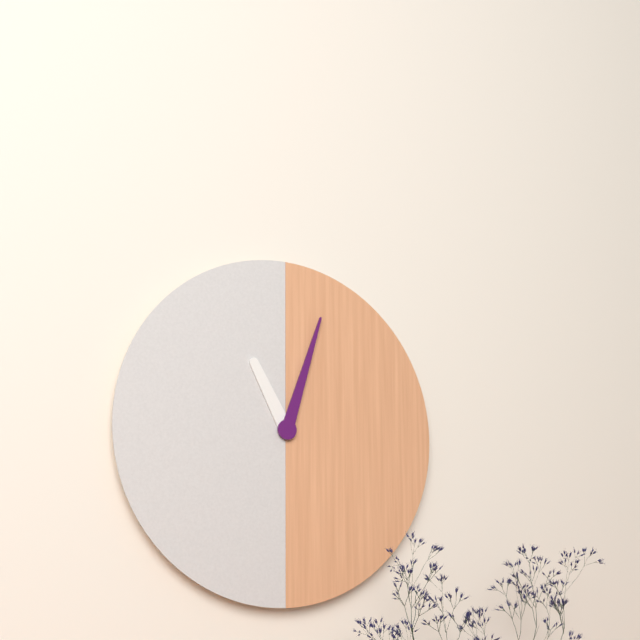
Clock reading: 11h03
